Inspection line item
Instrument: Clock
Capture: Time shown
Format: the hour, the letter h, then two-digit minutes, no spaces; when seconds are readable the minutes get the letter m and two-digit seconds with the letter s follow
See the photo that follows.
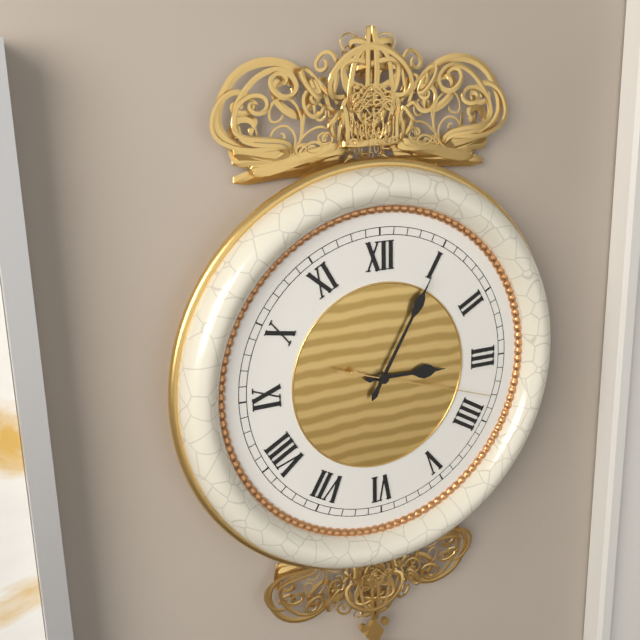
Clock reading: 3h05m18s
